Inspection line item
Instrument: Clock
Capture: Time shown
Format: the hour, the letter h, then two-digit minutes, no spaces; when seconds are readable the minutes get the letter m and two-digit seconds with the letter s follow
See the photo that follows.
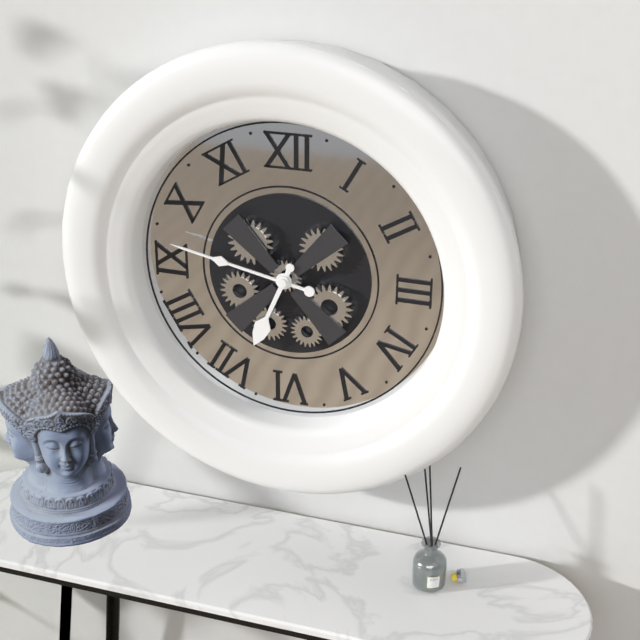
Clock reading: 6h47
